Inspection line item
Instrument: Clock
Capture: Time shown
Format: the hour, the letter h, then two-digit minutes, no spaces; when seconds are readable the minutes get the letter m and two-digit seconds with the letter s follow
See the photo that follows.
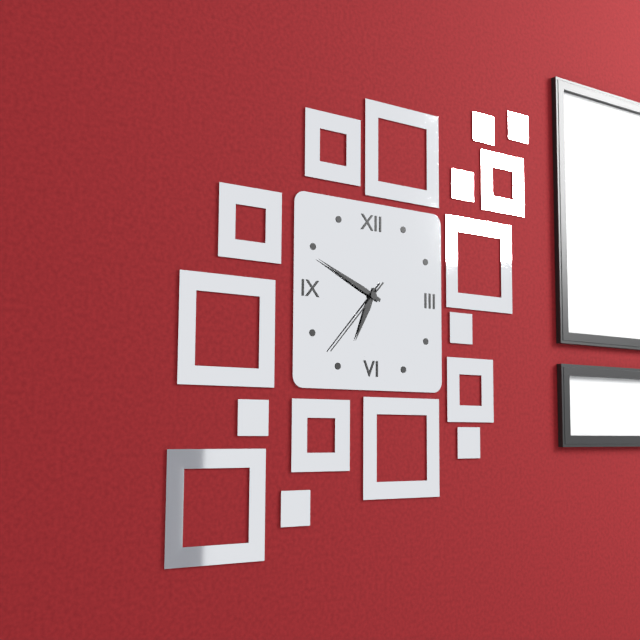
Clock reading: 6h49m37s
